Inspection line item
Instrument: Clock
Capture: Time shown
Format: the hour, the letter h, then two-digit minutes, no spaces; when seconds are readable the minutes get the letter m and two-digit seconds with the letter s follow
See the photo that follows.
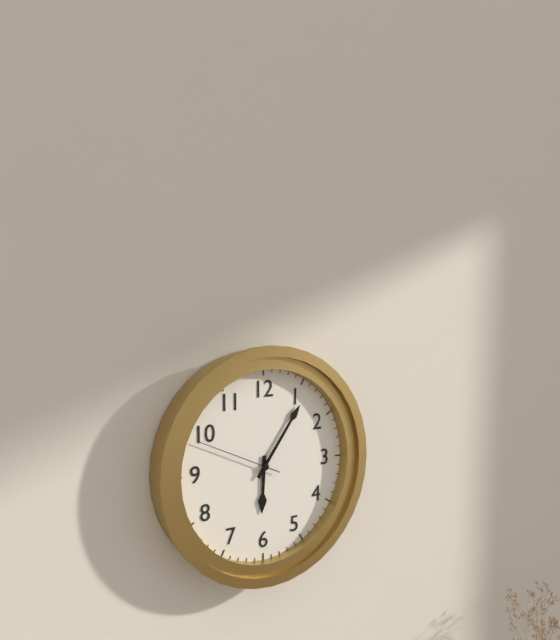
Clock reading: 6h06m49s
